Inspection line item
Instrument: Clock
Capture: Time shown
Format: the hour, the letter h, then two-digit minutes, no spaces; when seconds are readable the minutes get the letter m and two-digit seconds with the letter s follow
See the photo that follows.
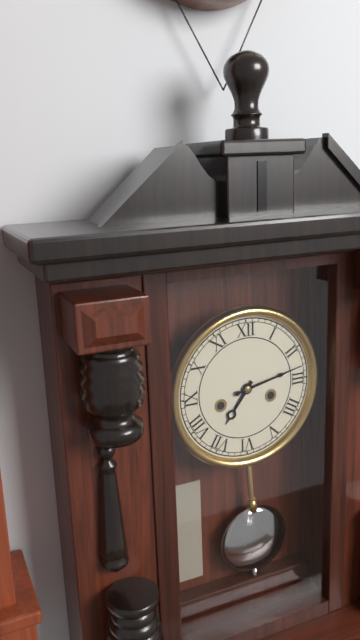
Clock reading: 7h13
